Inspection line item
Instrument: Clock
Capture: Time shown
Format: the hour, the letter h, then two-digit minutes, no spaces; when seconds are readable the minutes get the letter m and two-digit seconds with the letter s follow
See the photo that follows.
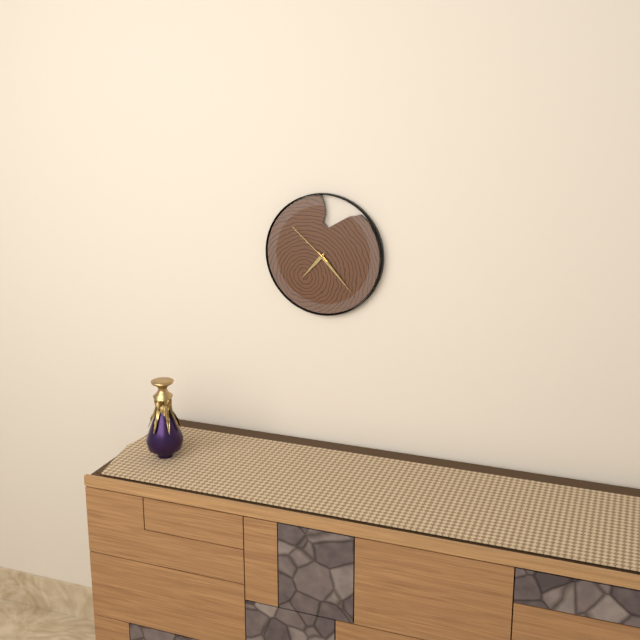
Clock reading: 7h23m52s
